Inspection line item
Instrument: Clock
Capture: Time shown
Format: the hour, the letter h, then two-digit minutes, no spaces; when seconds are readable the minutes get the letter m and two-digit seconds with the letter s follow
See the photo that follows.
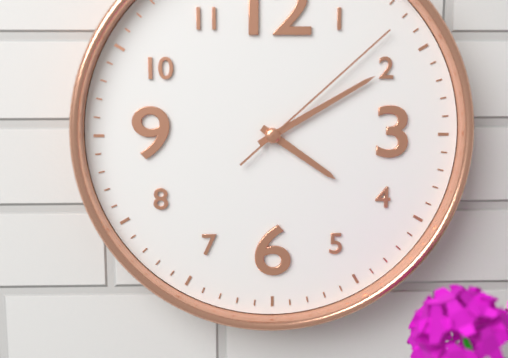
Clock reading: 4h10m08s
